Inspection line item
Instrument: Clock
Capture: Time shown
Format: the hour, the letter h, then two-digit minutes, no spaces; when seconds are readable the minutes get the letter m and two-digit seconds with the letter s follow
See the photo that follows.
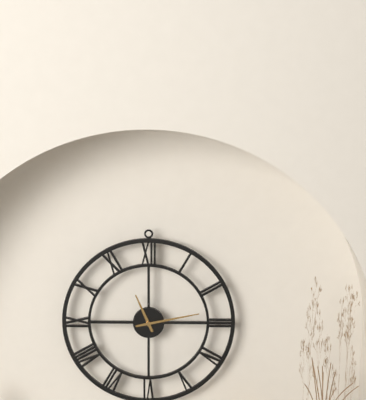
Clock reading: 11h13
